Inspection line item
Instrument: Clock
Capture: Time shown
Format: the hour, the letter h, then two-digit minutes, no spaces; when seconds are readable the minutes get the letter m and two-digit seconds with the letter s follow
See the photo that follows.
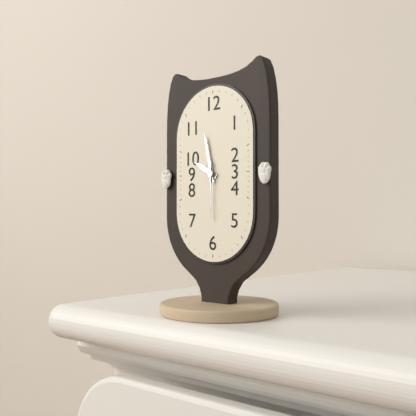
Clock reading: 9h58m30s
